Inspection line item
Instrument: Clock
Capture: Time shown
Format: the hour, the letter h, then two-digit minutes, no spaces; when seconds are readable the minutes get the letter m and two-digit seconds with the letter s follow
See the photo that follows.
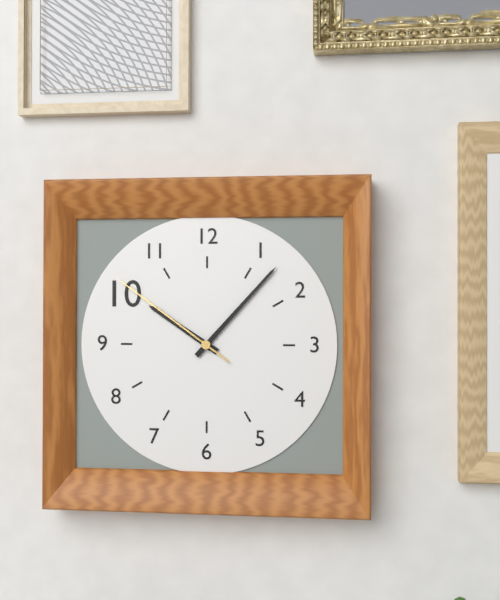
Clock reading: 10h07m51s
